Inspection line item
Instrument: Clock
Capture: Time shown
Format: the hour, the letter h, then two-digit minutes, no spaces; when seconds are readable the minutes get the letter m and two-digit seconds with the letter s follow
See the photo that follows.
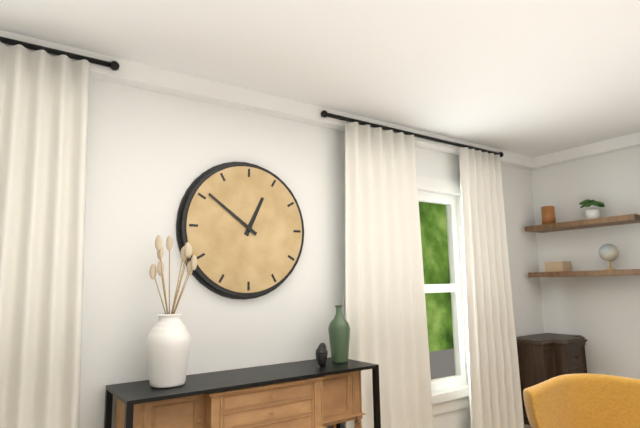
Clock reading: 12h51
